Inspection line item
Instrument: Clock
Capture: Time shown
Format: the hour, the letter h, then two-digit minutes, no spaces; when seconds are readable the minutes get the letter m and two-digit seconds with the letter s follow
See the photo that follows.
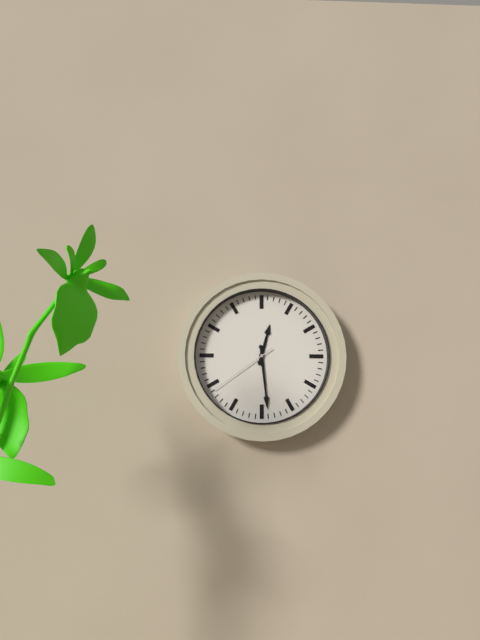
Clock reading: 12h29m39s
